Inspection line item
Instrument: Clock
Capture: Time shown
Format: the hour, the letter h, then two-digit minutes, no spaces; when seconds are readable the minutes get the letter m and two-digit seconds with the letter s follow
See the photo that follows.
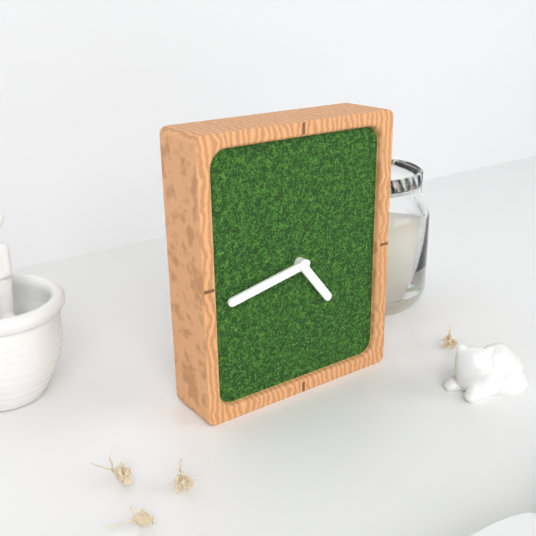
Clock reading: 4h43
